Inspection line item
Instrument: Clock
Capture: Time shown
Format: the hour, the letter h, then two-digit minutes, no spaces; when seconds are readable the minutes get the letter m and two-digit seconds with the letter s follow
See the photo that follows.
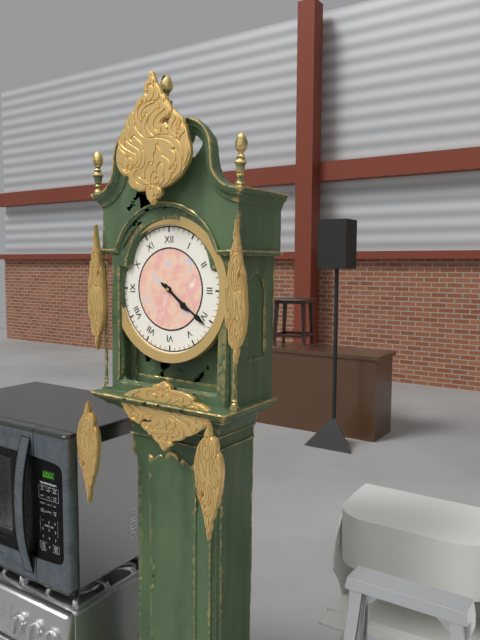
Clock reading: 4h21
